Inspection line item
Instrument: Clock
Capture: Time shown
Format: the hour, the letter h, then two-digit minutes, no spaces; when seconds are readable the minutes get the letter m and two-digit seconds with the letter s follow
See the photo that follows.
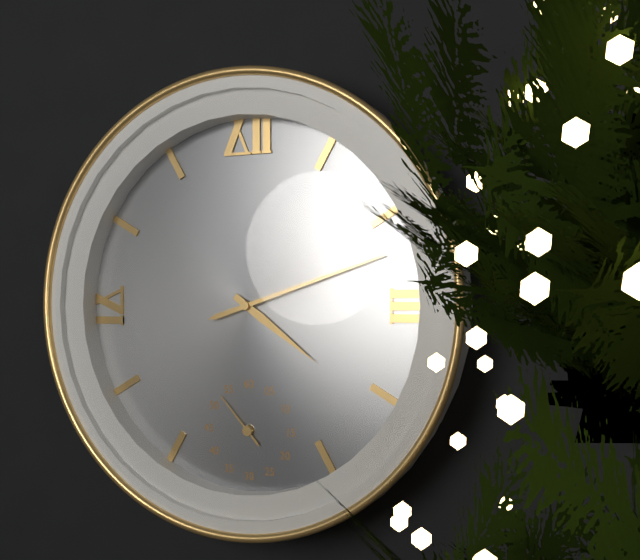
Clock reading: 4h12m53s
